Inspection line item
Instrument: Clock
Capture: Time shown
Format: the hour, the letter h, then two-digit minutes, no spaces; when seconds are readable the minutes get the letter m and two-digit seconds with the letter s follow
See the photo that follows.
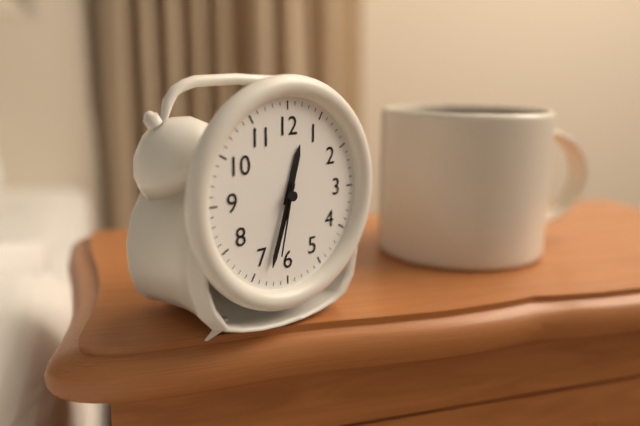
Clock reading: 12h33m32s
